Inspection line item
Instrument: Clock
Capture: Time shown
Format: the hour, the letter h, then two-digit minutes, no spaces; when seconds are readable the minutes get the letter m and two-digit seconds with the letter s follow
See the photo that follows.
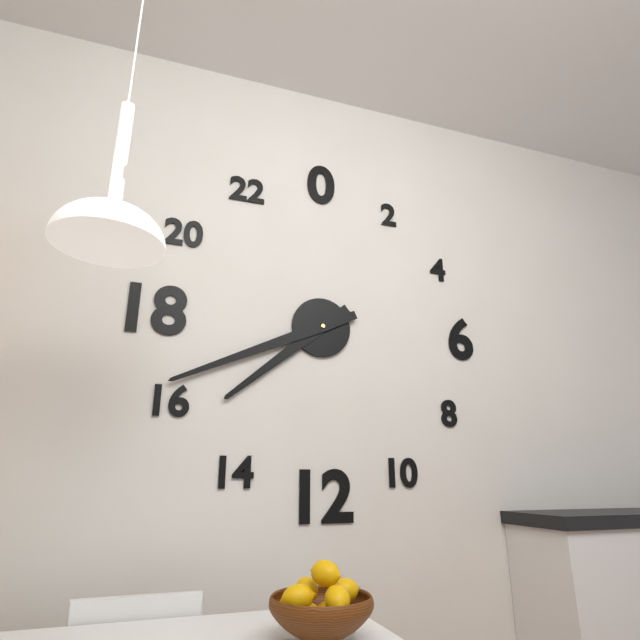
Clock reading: 7h41
